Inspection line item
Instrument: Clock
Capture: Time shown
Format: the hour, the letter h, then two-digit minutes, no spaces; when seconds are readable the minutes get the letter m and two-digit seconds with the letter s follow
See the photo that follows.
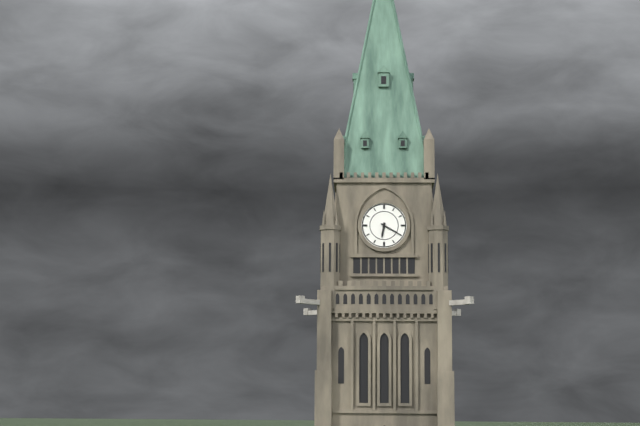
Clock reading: 6h20
